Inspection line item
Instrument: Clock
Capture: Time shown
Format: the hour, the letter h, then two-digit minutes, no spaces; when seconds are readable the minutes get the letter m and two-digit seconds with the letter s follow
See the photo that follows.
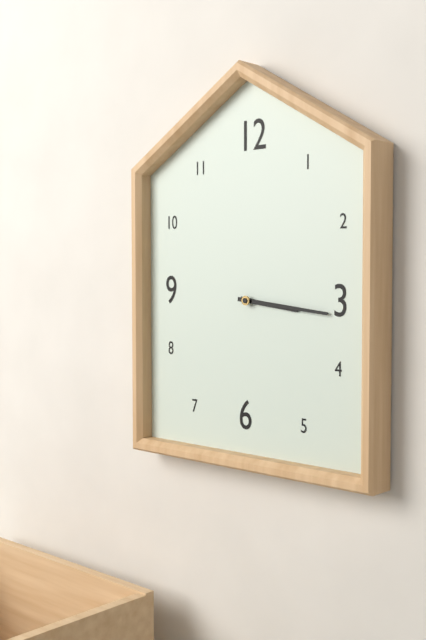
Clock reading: 3h16
